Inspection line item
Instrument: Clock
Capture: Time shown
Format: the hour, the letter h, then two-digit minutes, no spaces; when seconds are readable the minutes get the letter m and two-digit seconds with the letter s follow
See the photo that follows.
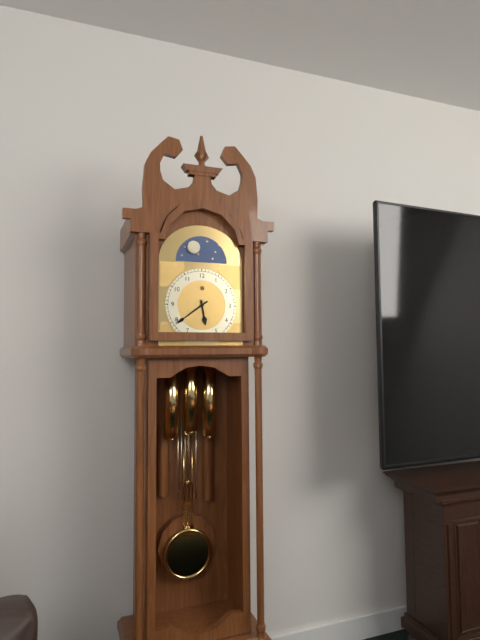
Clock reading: 5h39
